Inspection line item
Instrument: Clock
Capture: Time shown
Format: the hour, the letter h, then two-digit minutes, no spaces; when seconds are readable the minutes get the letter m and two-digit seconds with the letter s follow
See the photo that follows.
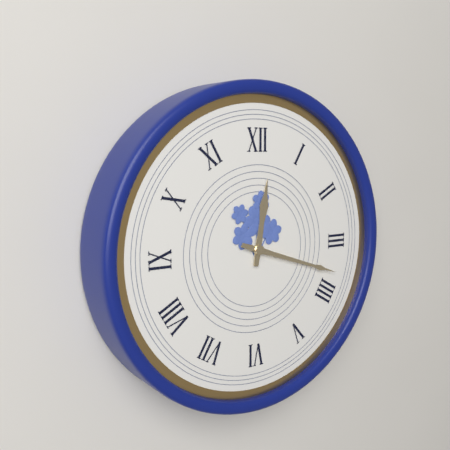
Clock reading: 12h18
